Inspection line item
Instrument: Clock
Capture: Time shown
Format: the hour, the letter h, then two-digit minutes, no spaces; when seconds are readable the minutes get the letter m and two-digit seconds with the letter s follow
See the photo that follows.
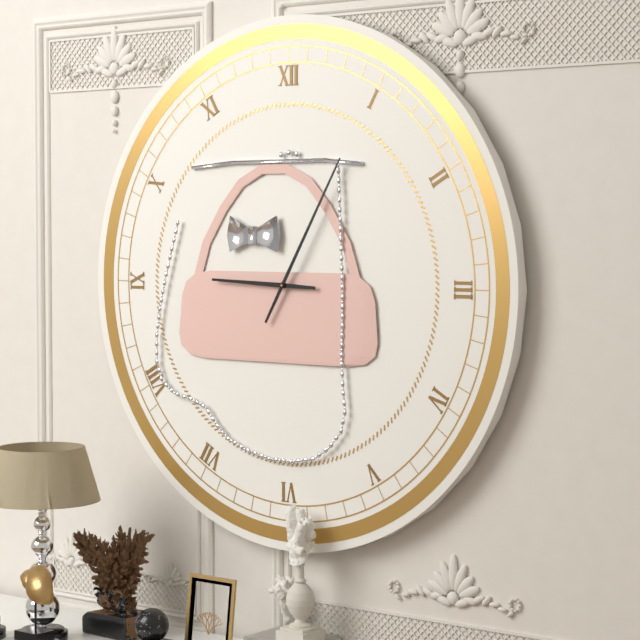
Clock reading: 9h05
